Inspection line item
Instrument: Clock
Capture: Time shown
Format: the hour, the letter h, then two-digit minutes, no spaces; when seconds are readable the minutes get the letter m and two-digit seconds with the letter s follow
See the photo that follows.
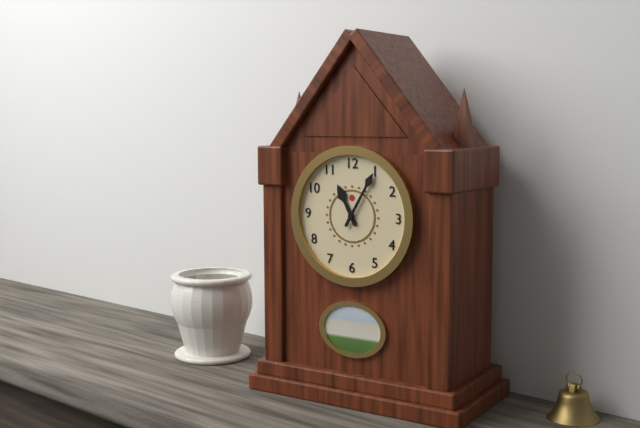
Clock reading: 11h05
